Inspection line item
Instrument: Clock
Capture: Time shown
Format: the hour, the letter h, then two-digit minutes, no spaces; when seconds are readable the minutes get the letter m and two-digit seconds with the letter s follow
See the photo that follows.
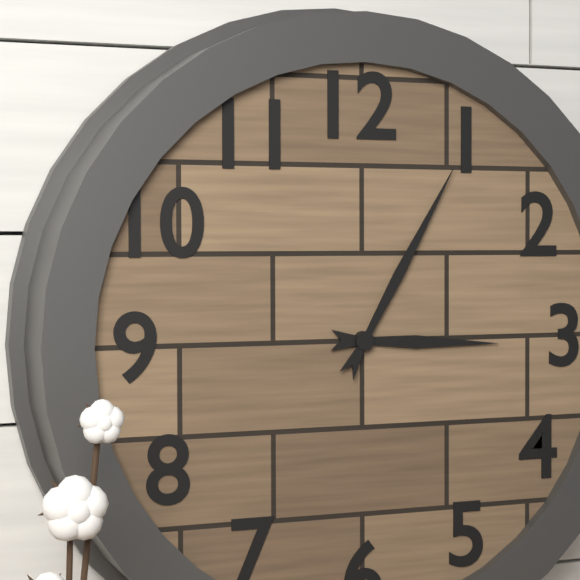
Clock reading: 3h05
